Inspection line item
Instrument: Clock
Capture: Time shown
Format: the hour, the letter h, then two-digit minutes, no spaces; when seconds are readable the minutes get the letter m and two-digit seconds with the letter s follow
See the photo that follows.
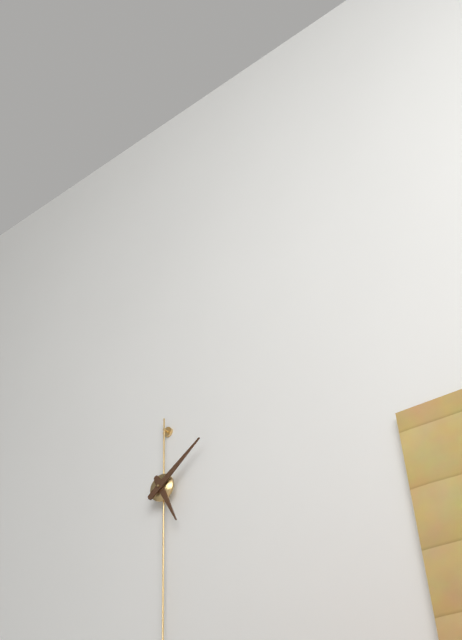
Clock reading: 5h09
